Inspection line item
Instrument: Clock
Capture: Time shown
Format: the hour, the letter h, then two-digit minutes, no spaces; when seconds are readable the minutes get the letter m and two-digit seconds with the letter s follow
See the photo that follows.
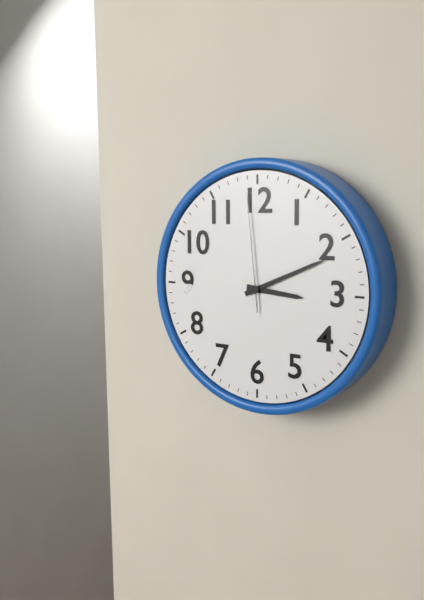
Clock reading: 3h11m59s
